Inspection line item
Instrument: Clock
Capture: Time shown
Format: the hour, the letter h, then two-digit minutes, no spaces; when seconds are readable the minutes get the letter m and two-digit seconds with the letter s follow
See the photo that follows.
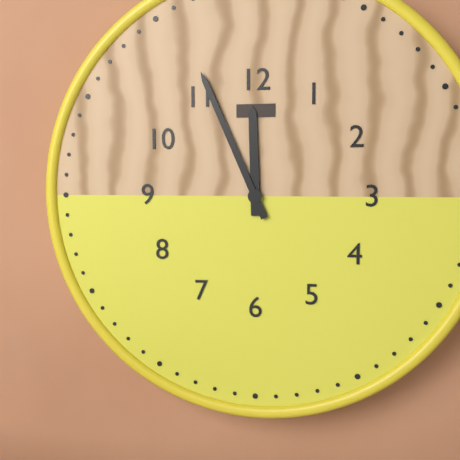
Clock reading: 11h56
